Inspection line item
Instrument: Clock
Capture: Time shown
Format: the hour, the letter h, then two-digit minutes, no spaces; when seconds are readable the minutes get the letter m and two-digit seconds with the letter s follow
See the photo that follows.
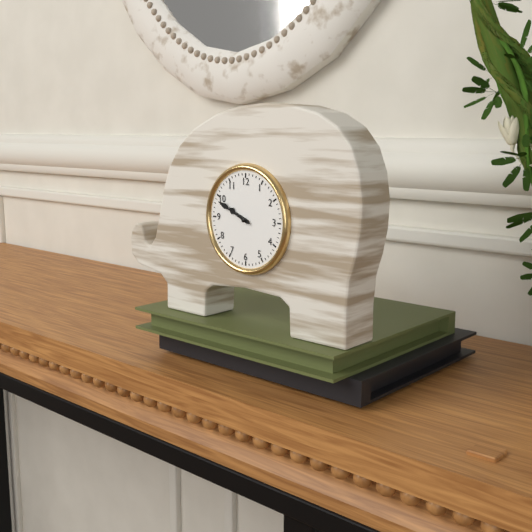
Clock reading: 9h49
